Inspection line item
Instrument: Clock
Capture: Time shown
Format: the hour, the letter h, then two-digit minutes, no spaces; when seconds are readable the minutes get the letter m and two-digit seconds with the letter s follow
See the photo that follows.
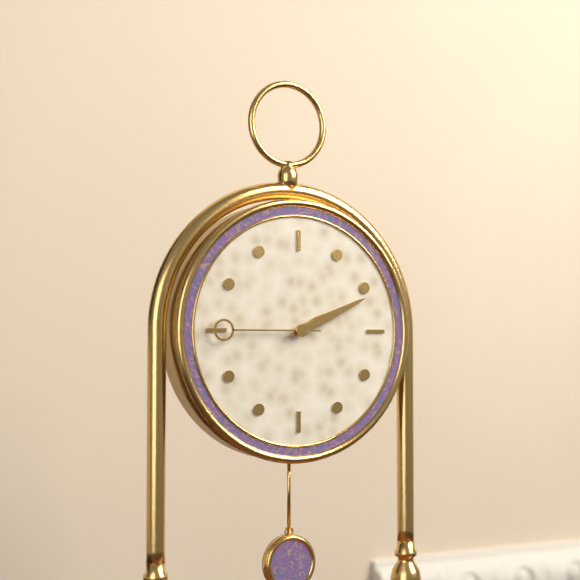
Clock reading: 2h11m45s
